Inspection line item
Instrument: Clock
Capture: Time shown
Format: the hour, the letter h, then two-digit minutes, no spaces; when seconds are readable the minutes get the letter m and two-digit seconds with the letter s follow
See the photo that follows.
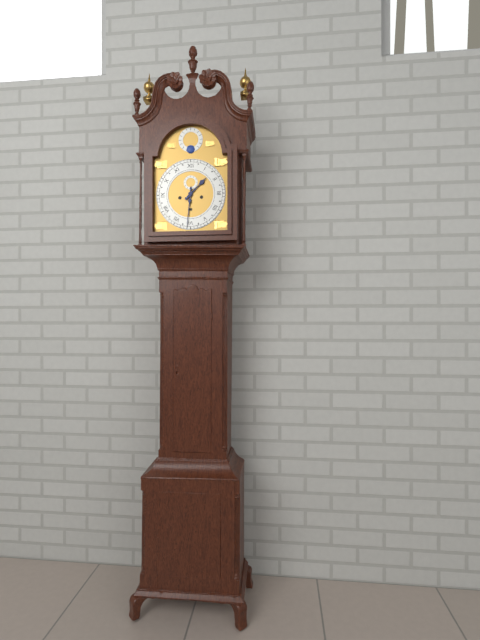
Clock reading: 1h31
